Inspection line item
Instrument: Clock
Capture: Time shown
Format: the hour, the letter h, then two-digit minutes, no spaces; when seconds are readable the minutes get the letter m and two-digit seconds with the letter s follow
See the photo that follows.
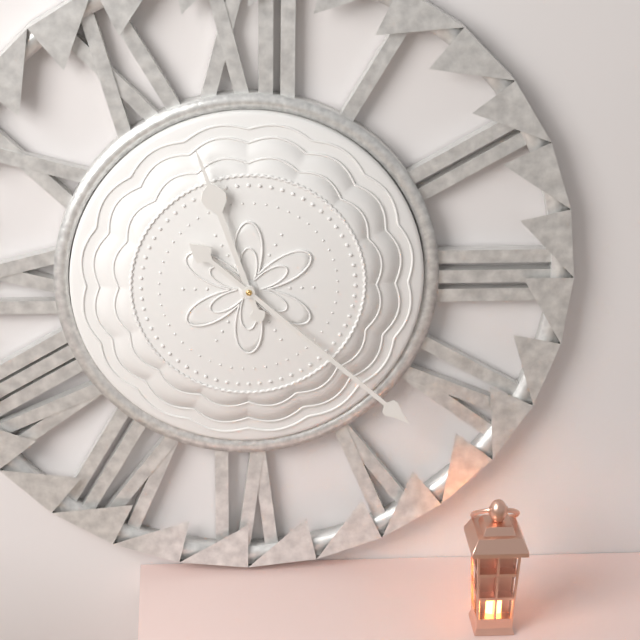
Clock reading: 11h22
